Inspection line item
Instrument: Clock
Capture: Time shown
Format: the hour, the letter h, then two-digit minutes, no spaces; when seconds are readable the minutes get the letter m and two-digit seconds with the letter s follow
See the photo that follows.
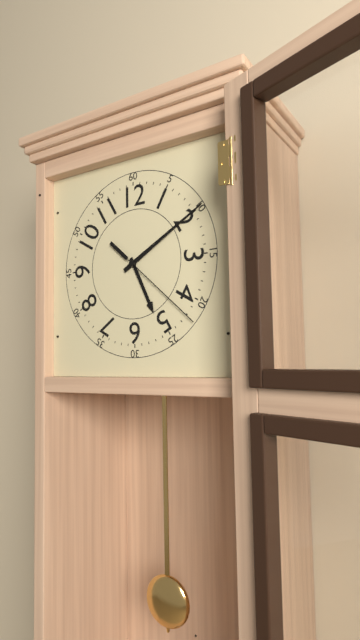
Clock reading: 5h10m22s
